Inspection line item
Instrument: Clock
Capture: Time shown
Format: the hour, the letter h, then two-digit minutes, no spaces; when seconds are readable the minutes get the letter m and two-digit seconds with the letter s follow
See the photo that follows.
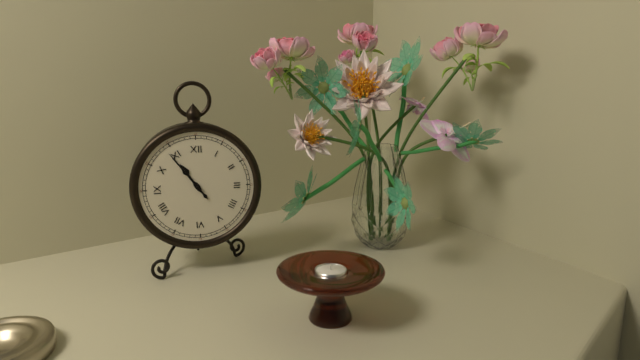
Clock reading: 10h54
